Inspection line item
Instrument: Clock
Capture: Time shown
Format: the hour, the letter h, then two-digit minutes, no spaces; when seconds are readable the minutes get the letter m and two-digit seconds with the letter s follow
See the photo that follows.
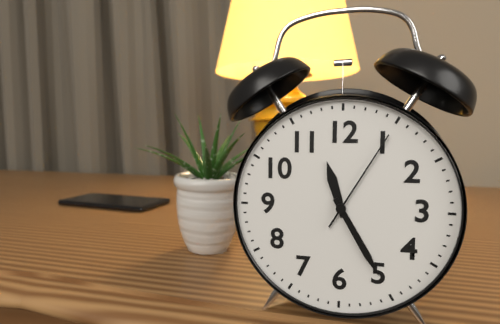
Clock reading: 11h25m05s
